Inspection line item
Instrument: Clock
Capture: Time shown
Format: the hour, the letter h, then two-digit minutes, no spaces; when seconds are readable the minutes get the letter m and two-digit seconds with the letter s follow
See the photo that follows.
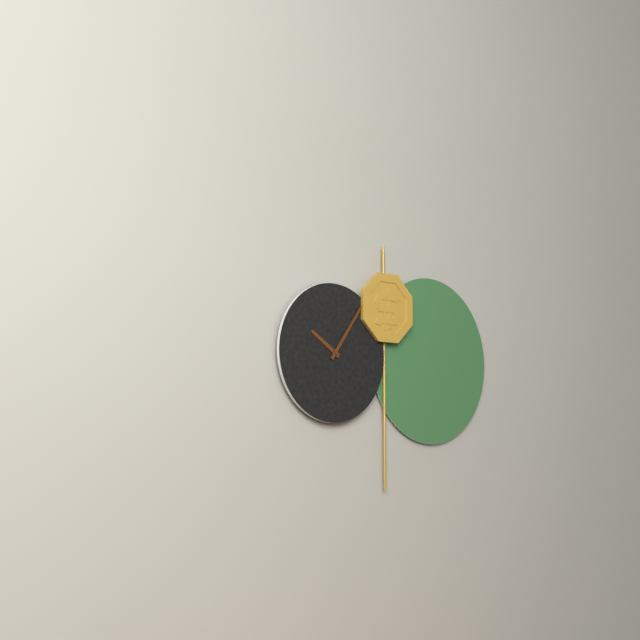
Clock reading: 10h06
